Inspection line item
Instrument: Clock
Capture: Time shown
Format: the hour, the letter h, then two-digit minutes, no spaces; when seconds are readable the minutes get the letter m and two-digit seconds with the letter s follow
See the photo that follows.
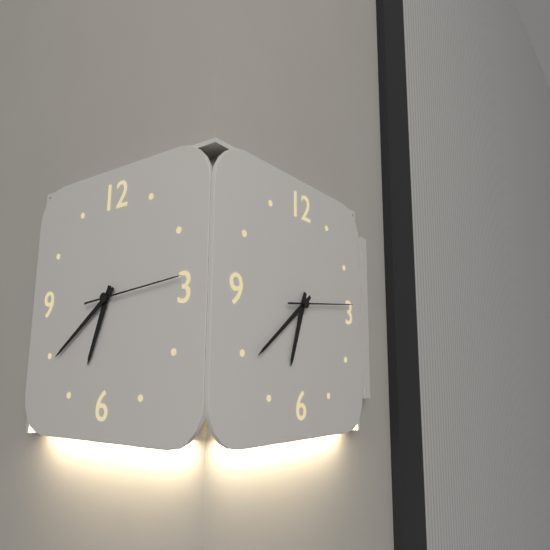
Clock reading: 6h39m14s
